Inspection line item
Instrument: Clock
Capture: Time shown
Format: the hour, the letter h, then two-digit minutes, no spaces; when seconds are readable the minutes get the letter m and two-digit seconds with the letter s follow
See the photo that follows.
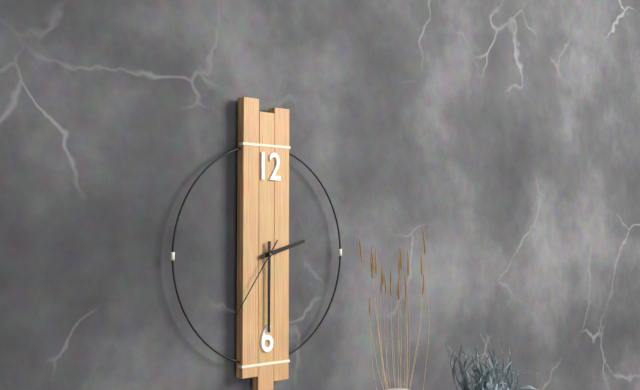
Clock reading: 2h30m36s
